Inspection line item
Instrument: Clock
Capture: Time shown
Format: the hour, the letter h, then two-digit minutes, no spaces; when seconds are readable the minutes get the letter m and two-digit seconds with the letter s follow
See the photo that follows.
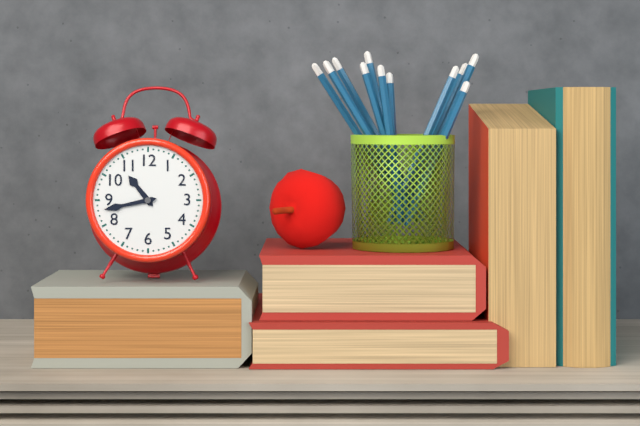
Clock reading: 10h43
